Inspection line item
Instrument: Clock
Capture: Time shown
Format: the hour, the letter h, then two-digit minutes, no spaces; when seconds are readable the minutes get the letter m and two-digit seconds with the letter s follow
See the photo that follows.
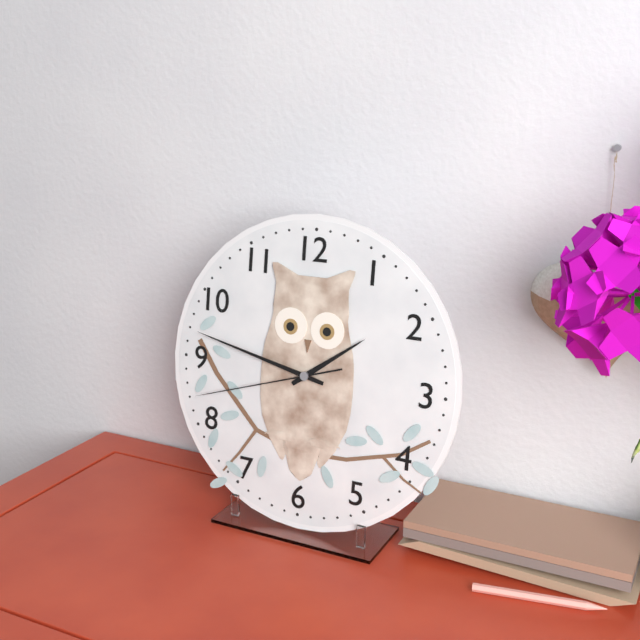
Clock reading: 1h47m42s
